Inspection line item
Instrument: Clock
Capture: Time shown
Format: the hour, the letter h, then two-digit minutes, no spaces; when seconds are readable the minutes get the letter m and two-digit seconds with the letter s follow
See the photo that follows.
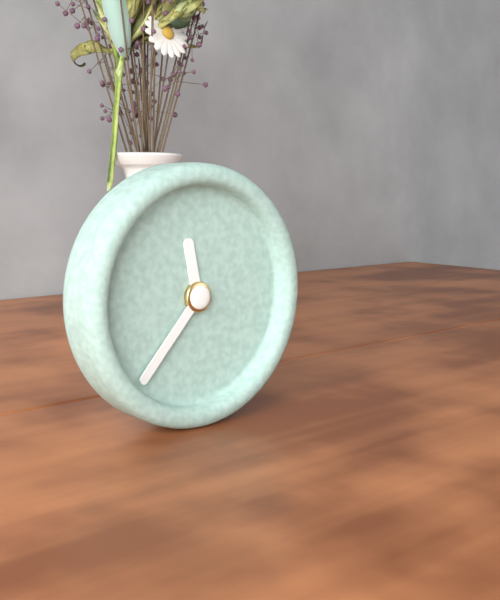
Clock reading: 11h37
